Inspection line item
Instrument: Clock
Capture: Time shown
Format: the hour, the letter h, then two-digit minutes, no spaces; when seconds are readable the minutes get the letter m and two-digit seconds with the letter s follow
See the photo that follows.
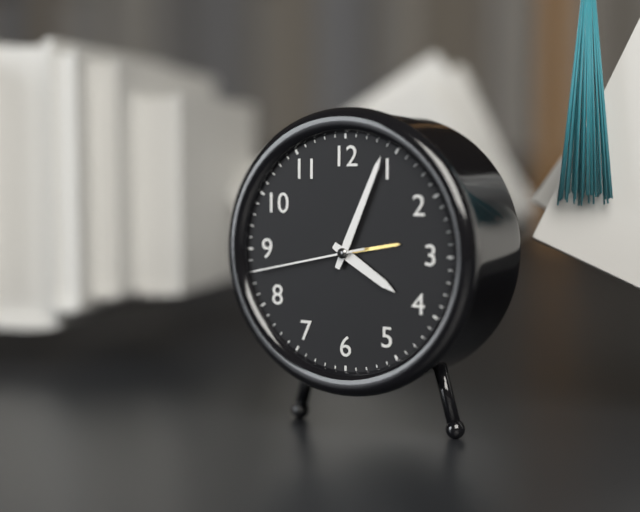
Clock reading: 4h04m43s
